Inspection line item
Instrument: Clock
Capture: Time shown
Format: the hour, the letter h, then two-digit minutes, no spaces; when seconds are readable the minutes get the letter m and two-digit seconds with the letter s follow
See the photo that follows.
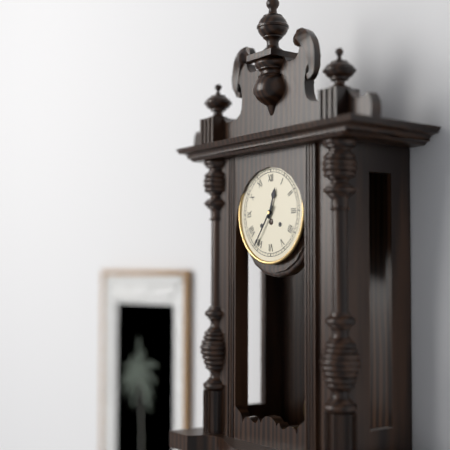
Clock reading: 12h36
